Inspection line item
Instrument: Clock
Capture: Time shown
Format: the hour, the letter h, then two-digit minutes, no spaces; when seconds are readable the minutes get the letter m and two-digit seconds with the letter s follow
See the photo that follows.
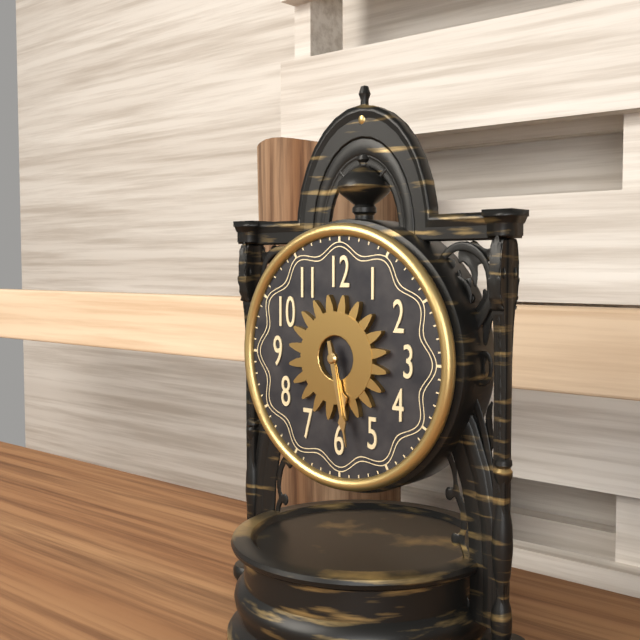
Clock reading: 5h28
